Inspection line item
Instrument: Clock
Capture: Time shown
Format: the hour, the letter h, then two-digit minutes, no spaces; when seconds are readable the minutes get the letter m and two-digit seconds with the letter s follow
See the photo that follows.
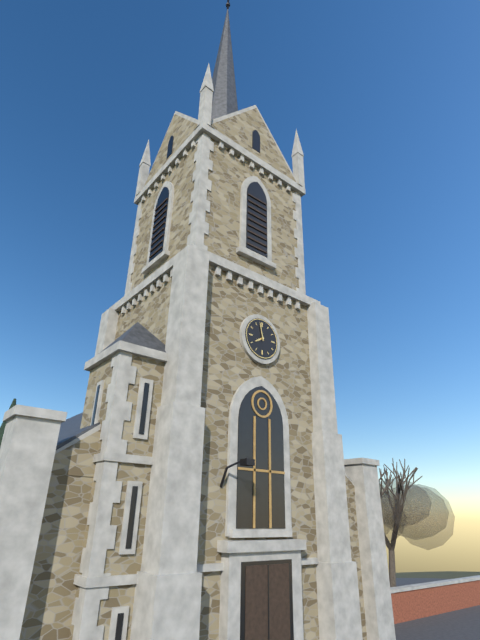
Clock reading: 7h58
